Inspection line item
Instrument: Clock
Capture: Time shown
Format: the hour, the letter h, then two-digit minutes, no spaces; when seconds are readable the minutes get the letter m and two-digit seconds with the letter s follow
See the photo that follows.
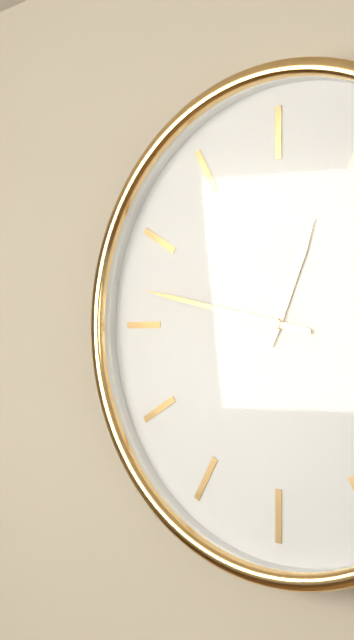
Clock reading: 12h47
